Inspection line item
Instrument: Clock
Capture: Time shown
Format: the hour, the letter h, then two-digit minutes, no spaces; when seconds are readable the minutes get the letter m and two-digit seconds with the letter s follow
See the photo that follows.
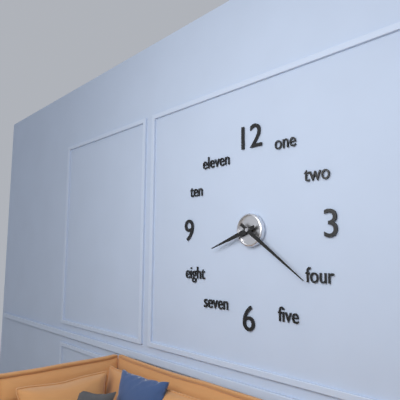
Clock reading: 8h21
